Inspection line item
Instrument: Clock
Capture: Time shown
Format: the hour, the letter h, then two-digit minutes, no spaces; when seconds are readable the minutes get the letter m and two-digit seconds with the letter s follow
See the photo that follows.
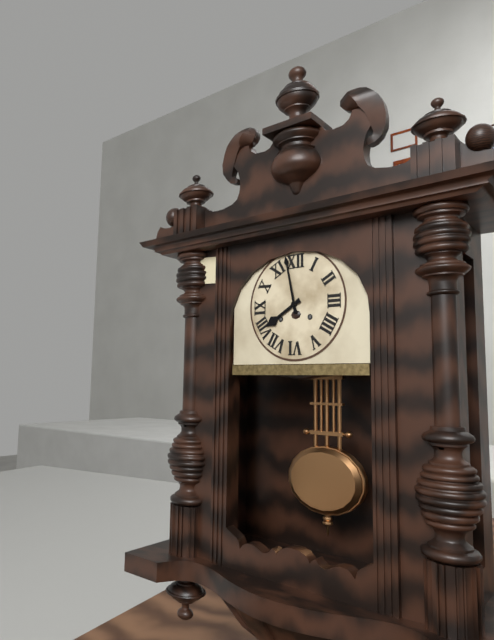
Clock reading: 7h58
